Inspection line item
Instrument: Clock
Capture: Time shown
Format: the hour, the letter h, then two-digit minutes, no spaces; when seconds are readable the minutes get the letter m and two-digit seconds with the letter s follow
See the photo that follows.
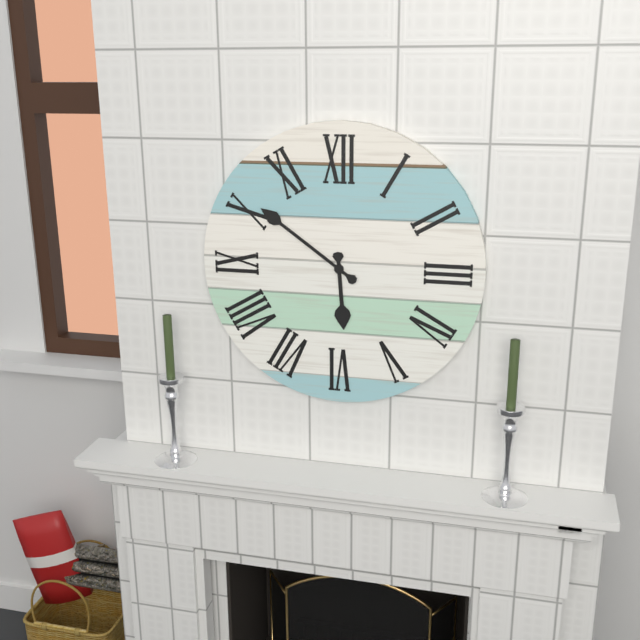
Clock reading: 5h51
